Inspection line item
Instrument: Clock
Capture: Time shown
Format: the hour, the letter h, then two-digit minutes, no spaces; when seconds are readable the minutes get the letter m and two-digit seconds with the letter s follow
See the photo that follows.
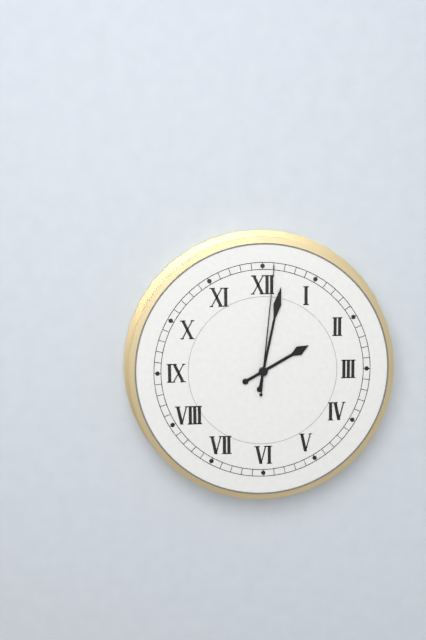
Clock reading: 2h02m01s
